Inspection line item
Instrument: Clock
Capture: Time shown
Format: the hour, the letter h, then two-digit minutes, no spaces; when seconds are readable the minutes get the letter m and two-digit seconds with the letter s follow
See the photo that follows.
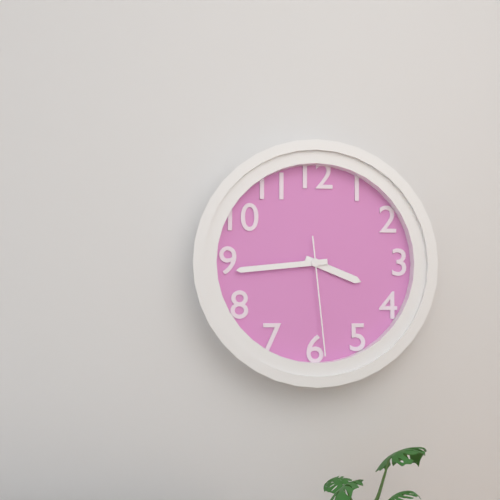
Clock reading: 3h44m29s
